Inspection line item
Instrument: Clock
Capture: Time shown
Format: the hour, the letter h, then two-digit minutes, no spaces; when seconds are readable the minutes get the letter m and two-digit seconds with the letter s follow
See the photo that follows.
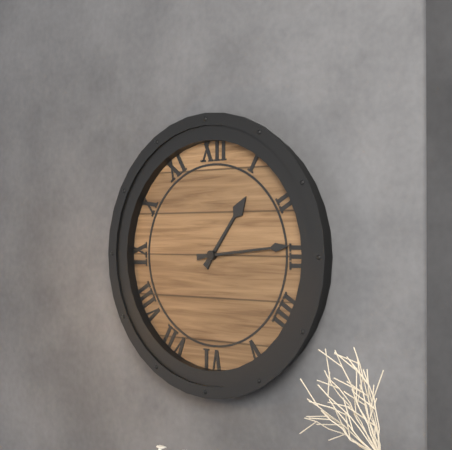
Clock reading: 1h14
